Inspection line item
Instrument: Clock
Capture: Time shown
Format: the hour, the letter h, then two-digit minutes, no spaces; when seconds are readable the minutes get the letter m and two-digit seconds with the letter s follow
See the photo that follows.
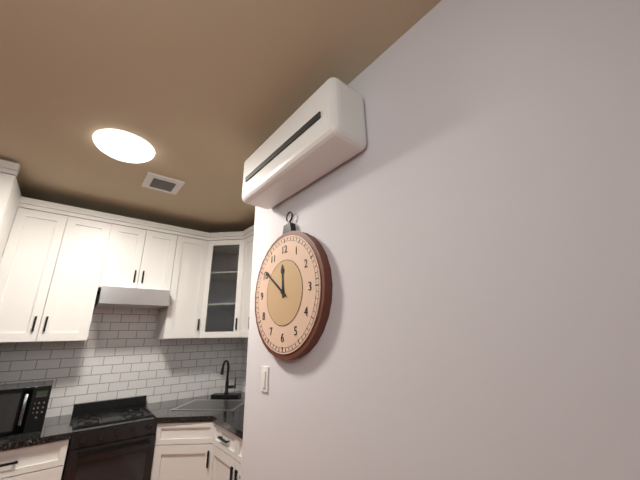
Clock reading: 11h51
